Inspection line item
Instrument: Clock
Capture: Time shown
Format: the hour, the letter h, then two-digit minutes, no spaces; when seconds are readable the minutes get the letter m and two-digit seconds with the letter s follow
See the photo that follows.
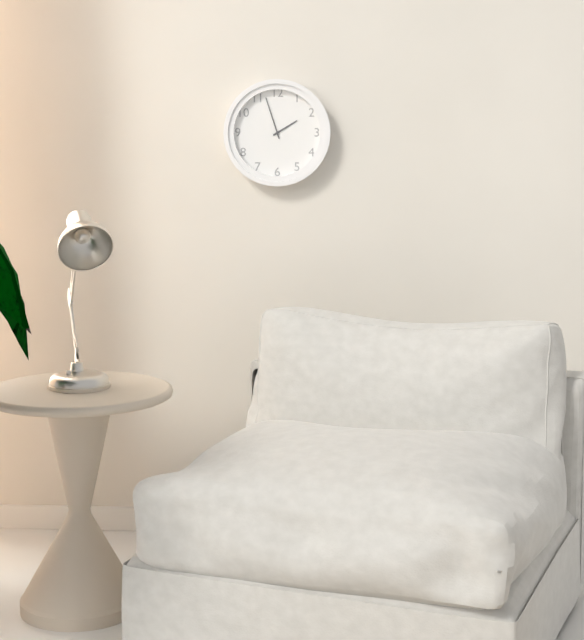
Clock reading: 1h57
